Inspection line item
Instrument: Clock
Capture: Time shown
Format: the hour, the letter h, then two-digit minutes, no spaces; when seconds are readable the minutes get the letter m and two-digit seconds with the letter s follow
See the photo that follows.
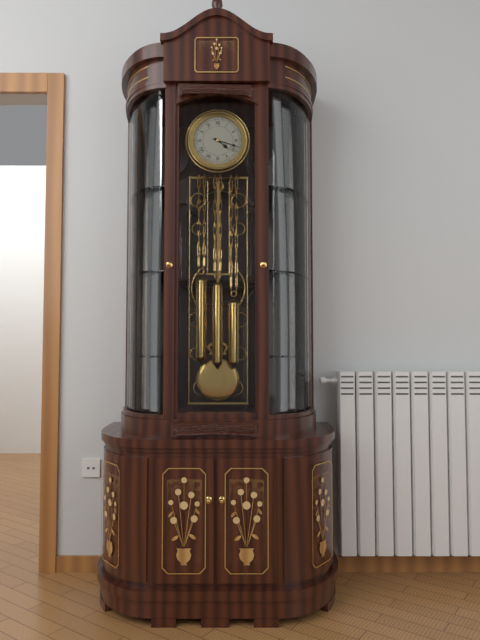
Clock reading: 4h18
